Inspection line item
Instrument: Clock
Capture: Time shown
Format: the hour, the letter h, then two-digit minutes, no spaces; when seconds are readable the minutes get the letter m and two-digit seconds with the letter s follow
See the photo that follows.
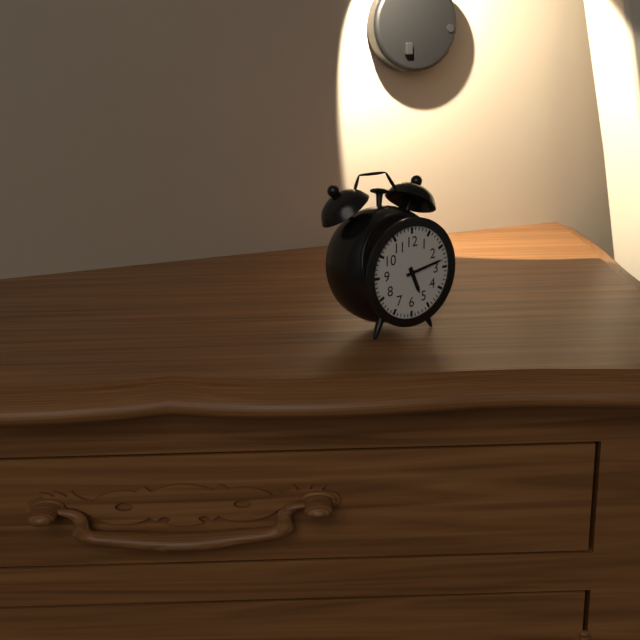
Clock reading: 5h13
